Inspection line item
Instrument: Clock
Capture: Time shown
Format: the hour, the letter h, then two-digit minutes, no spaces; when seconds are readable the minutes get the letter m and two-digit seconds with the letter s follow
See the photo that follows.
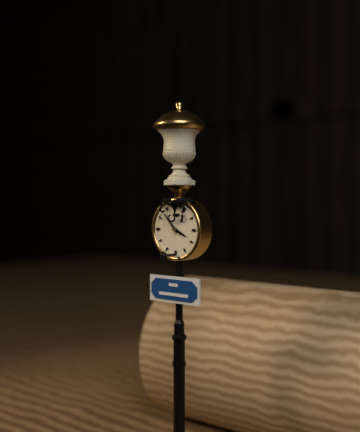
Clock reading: 3h53
